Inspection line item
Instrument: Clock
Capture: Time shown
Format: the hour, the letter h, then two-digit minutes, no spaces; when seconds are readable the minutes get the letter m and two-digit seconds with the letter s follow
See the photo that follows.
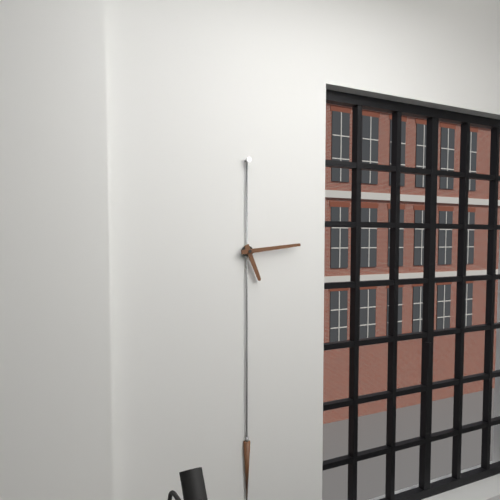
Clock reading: 5h14
